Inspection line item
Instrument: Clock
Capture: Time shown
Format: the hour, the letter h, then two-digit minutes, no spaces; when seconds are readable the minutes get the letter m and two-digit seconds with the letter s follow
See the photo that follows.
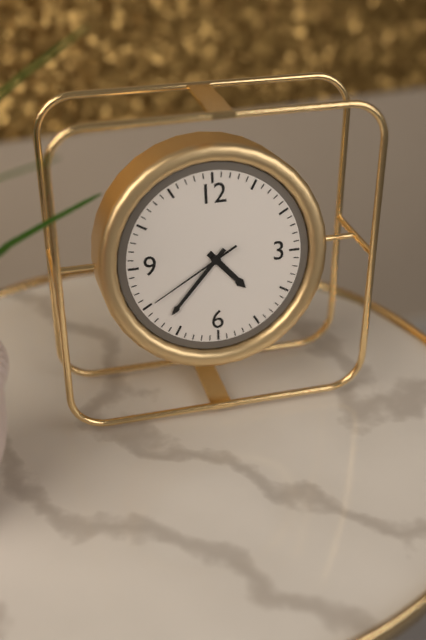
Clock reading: 4h37m40s
